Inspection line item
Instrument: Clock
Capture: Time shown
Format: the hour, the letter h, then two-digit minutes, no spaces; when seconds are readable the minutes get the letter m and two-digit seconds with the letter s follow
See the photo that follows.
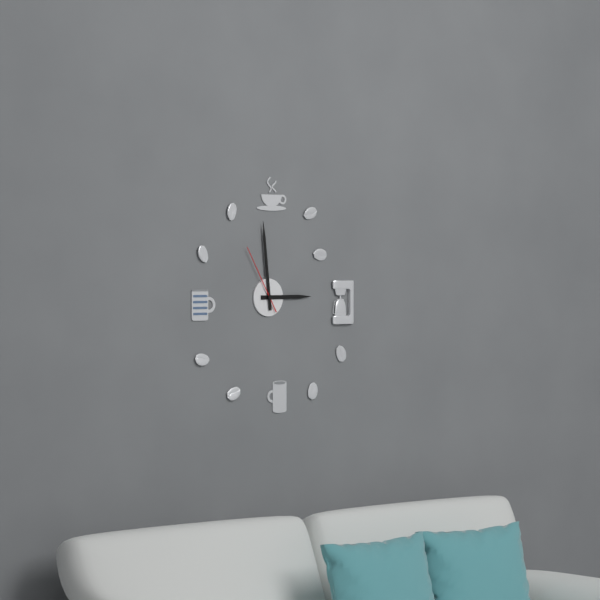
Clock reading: 2h59m55s
